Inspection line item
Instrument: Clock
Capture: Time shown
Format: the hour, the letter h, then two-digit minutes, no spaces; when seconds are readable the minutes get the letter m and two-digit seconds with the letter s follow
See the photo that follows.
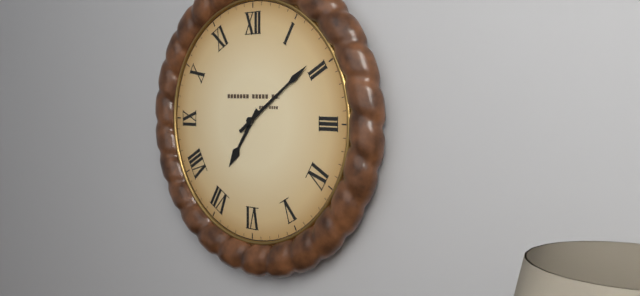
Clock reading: 7h09
